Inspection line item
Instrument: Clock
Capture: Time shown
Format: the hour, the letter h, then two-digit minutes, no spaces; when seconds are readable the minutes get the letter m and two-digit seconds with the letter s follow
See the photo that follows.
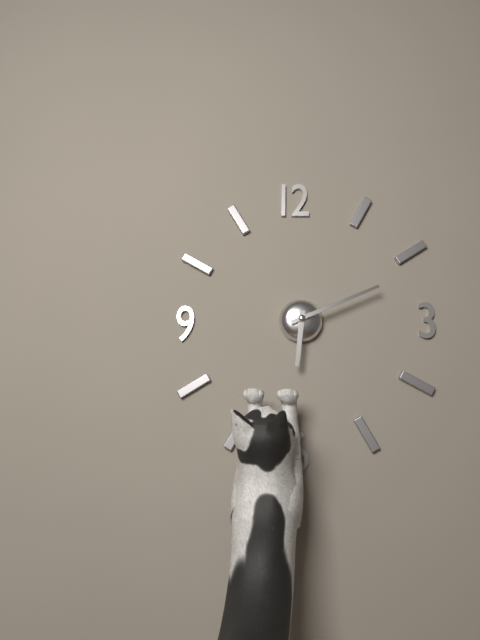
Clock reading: 6h11
